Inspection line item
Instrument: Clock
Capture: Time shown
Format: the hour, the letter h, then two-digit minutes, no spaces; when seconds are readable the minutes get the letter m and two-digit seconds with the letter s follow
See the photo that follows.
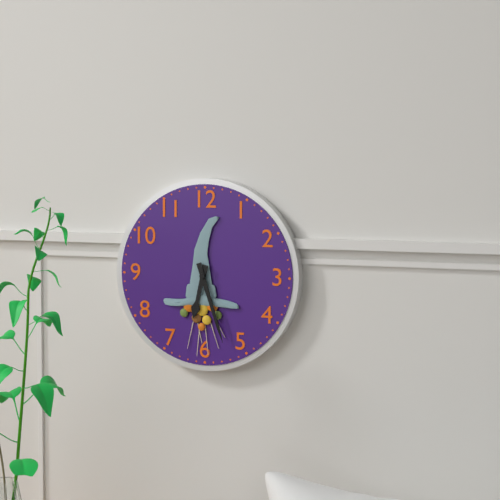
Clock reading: 6h27
